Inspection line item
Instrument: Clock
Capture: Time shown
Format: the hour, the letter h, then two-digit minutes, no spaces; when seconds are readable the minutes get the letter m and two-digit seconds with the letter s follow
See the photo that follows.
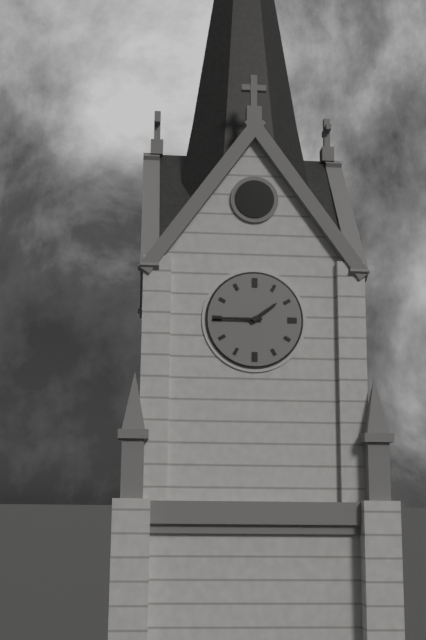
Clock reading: 1h45
